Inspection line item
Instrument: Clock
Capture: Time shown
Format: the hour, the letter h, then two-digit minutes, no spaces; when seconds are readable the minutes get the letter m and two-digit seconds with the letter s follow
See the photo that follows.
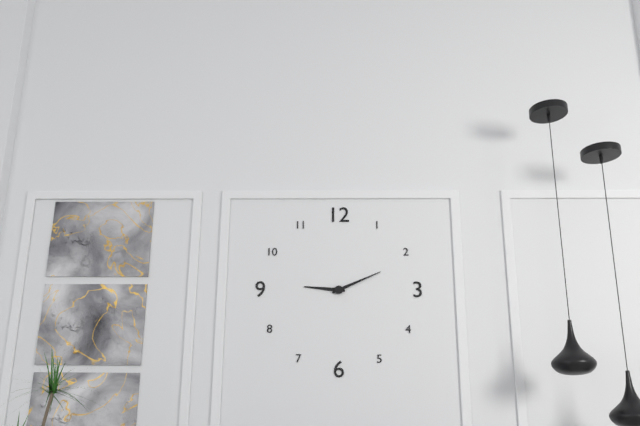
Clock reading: 9h11
